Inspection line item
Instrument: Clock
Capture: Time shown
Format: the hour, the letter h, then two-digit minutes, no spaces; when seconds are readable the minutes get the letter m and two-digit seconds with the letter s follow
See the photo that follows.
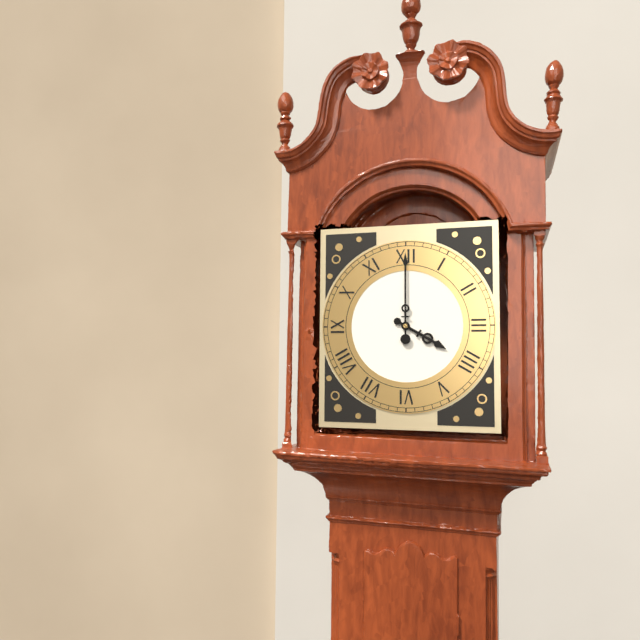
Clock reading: 4h00
